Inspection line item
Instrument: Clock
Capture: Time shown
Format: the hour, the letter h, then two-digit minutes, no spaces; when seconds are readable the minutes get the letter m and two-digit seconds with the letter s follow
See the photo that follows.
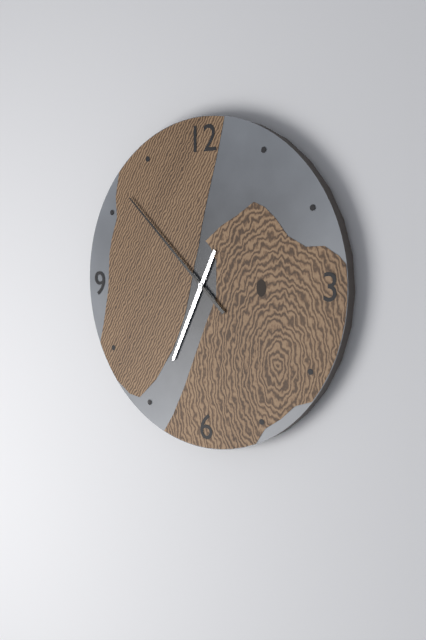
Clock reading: 6h52
